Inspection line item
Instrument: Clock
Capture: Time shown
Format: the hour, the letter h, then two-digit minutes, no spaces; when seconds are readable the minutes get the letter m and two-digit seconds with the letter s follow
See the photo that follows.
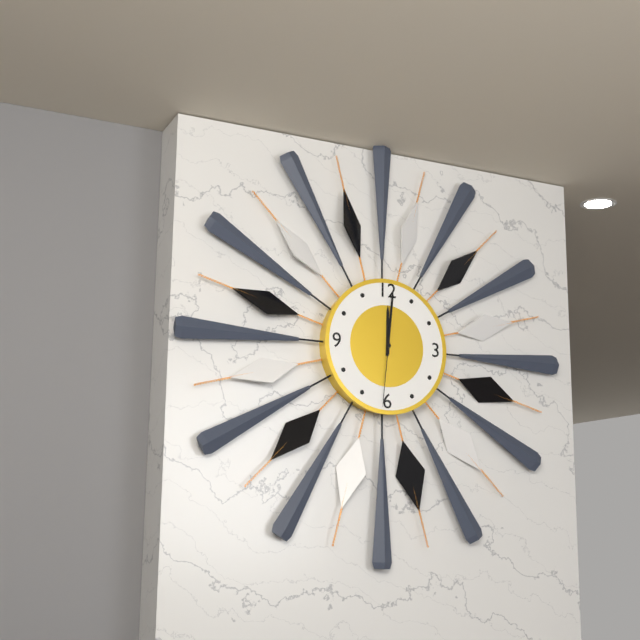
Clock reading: 12h01m31s
